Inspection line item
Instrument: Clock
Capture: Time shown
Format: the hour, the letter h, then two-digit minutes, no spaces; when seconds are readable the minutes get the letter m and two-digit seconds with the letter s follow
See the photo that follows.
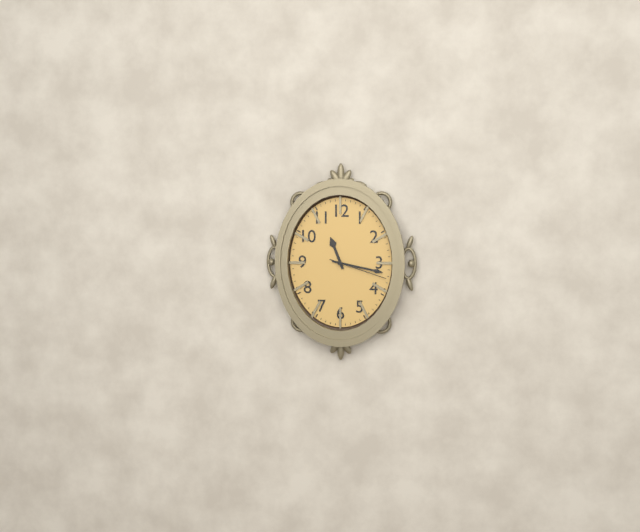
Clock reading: 11h17m18s
